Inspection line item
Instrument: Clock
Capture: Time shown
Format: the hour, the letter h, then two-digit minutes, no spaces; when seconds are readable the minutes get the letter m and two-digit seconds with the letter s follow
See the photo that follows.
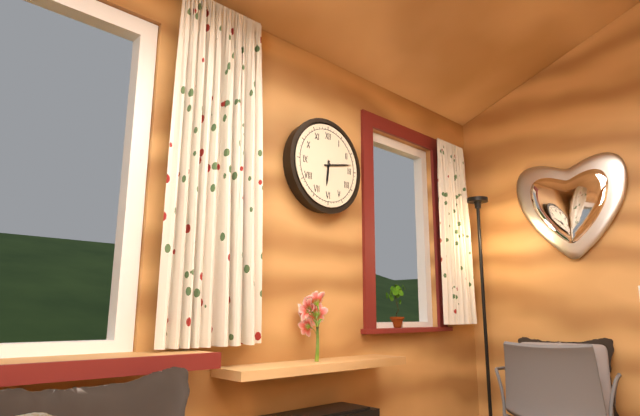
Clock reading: 6h13
